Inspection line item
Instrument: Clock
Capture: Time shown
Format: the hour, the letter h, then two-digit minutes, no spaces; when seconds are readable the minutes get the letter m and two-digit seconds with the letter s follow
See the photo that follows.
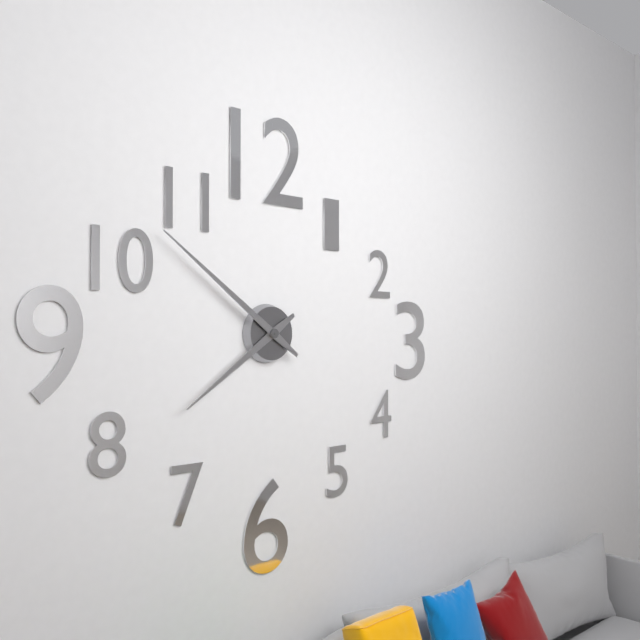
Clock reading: 7h51
